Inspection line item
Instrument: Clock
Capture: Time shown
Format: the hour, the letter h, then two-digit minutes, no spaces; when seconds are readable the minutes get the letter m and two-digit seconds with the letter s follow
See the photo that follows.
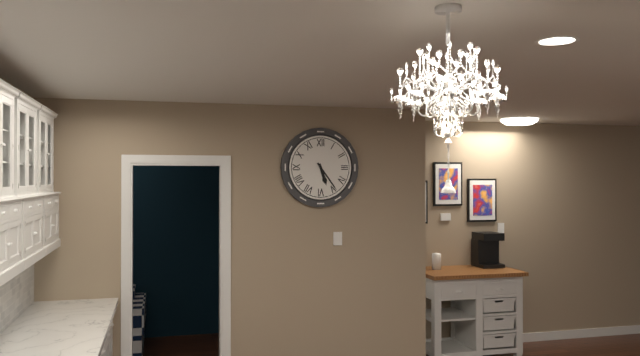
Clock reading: 5h24
